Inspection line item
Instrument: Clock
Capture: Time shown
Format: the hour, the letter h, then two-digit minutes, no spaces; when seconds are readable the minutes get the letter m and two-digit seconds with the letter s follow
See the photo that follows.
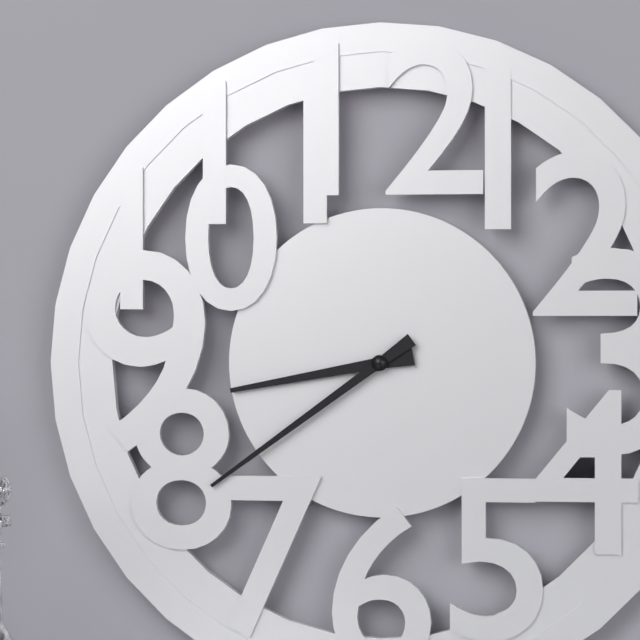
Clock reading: 8h39
